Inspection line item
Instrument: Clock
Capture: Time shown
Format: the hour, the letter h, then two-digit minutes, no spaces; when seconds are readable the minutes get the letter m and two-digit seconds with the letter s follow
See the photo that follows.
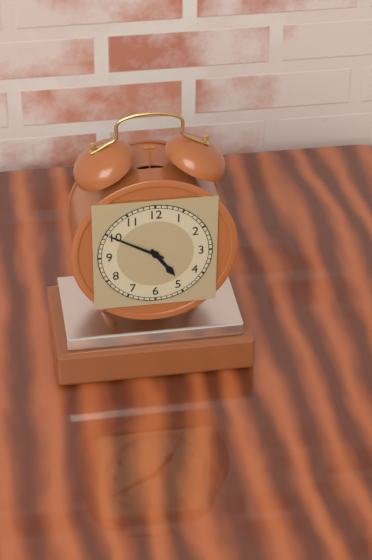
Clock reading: 4h50
